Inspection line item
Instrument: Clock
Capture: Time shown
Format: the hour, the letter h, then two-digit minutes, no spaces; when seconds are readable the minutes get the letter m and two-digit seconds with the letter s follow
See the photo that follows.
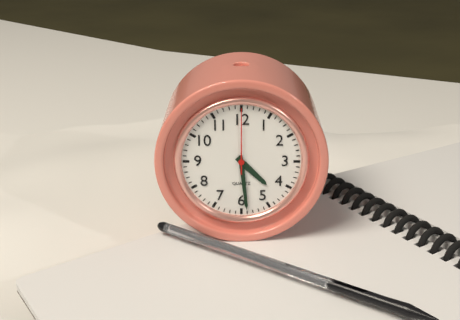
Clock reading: 4h29m00s
